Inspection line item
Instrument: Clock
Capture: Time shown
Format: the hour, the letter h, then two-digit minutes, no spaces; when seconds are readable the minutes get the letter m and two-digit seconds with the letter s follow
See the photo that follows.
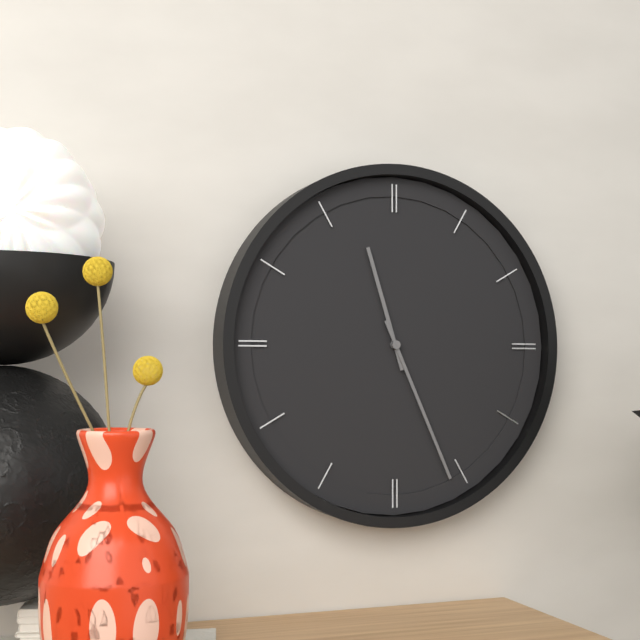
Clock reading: 11h26
